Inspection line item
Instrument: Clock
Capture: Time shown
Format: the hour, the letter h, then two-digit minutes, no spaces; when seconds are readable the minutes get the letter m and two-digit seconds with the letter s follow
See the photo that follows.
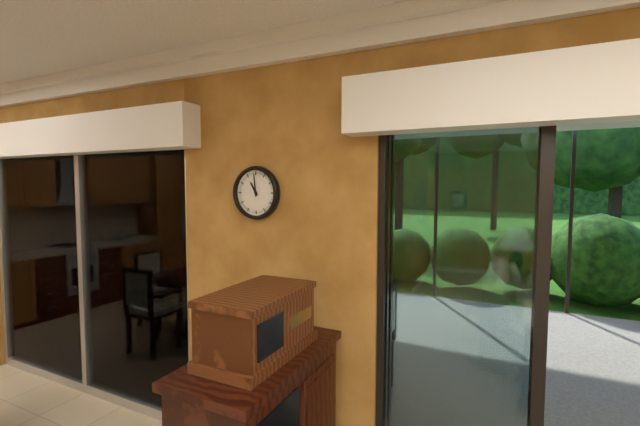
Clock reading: 10h59
